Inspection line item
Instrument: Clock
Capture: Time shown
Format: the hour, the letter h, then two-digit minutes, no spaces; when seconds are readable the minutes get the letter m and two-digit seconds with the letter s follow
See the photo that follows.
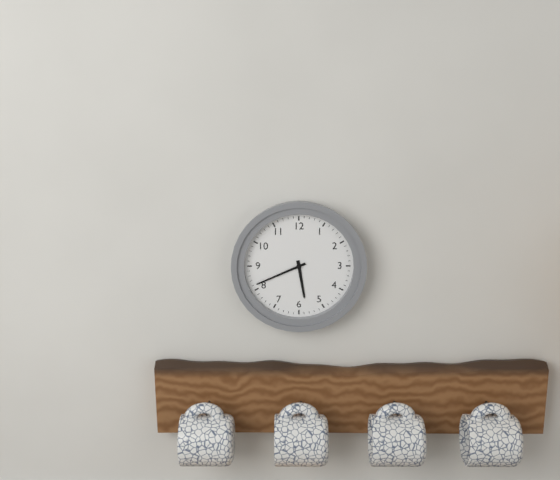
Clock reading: 5h41
